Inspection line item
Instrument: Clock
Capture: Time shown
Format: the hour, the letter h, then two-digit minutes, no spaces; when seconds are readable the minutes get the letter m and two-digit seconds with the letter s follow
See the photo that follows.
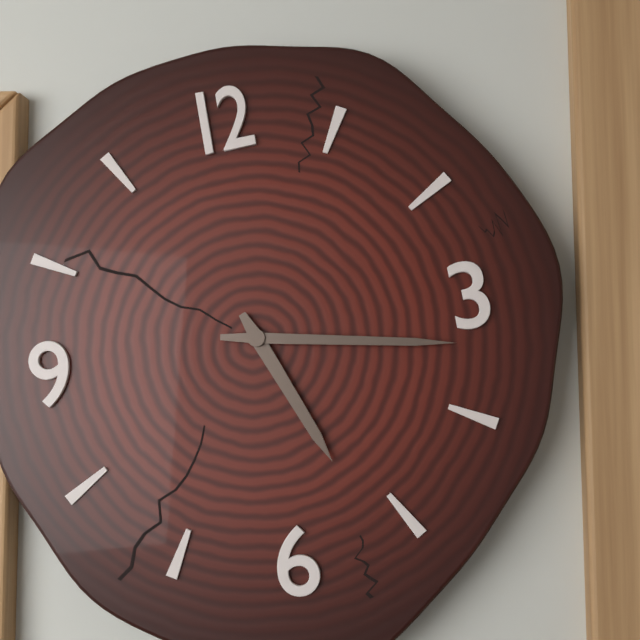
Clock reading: 5h17
